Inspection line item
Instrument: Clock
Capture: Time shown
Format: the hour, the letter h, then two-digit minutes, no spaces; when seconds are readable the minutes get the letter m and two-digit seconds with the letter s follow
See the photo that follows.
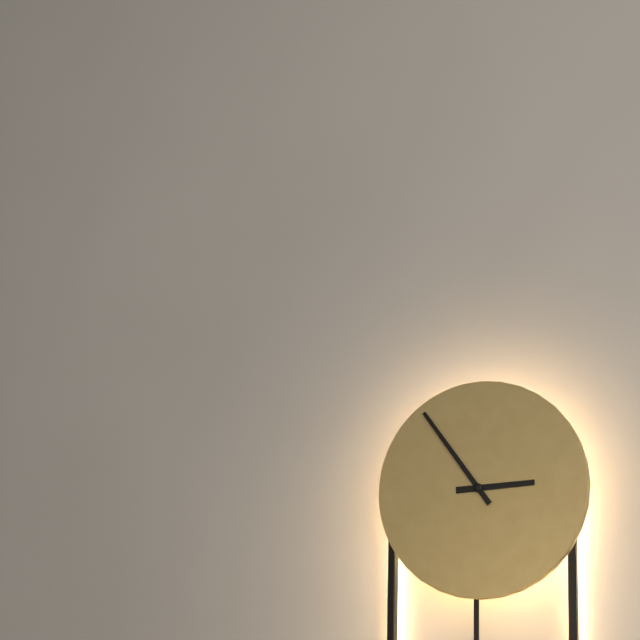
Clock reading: 2h54
